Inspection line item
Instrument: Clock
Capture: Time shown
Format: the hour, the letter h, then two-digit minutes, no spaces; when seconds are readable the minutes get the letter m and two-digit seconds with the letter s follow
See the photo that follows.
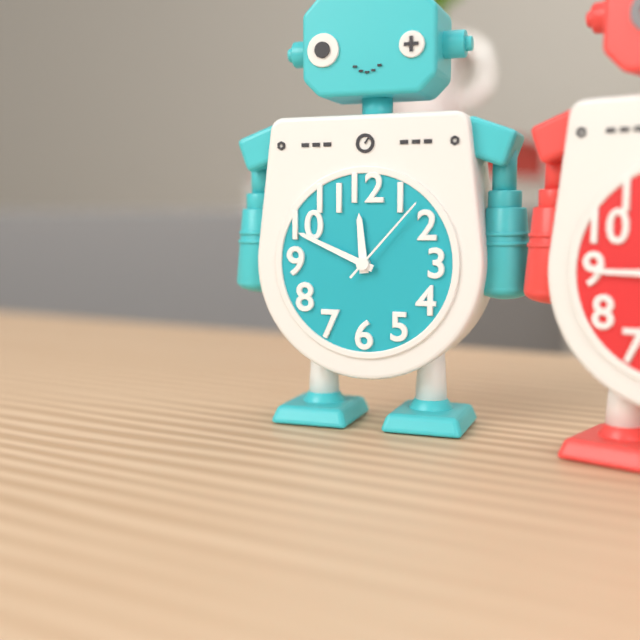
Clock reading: 11h49m07s
